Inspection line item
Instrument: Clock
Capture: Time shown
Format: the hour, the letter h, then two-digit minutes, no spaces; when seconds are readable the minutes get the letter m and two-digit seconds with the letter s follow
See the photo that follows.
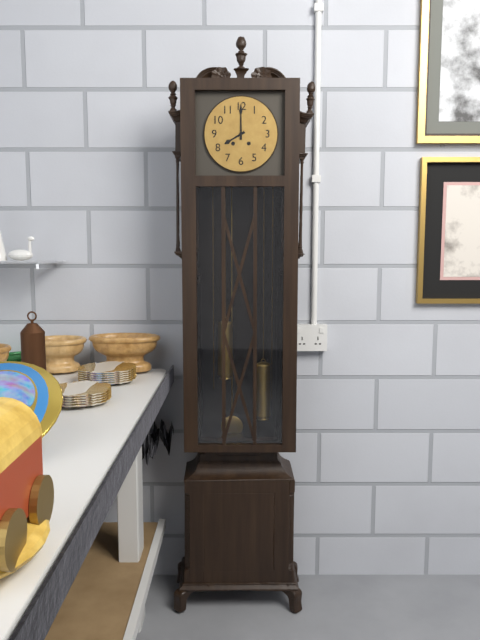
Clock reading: 8h00
